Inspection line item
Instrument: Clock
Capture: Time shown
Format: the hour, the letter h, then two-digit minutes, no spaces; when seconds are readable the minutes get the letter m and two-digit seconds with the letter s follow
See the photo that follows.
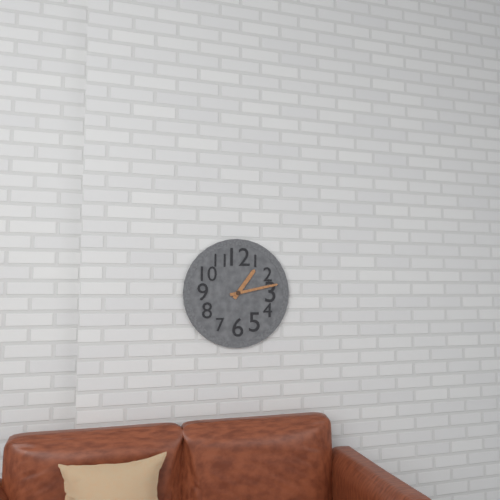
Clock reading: 1h13
